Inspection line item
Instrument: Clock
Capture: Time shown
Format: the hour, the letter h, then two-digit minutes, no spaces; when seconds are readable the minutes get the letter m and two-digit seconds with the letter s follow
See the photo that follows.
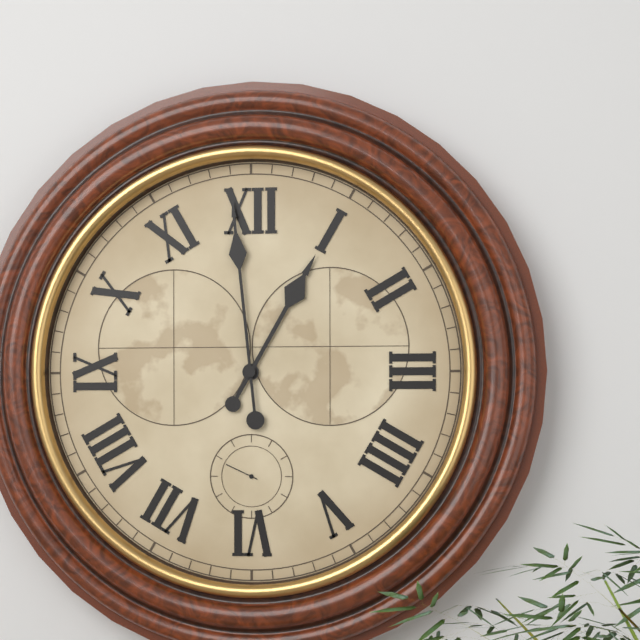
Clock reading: 12h59
